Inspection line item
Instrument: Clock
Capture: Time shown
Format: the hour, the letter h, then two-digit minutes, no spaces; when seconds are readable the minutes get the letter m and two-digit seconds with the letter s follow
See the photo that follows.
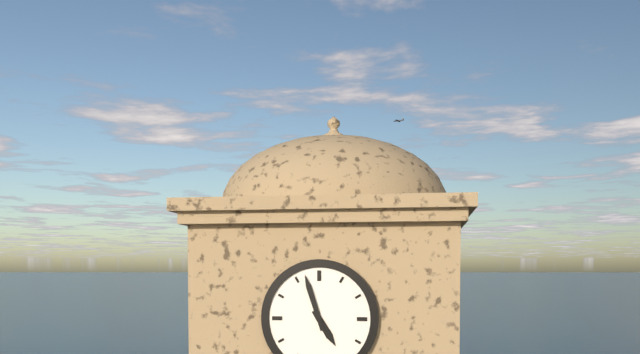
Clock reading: 4h57
